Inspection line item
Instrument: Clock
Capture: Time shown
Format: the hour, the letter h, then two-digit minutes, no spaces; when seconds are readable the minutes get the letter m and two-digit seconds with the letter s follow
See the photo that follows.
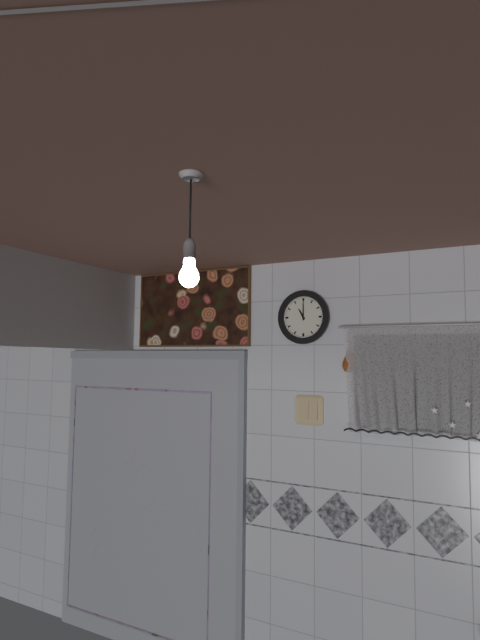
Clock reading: 11h00
